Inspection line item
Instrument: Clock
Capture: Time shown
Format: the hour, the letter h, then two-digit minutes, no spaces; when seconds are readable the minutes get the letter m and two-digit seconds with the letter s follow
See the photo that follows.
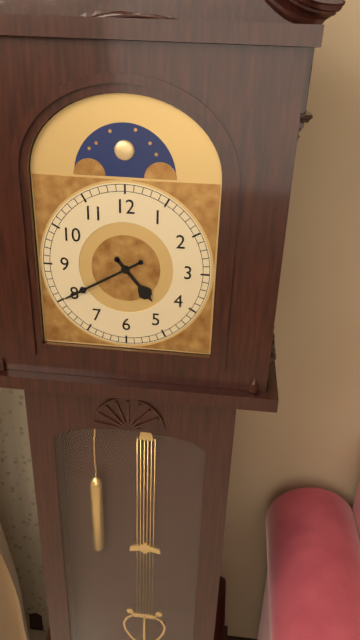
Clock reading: 4h40
